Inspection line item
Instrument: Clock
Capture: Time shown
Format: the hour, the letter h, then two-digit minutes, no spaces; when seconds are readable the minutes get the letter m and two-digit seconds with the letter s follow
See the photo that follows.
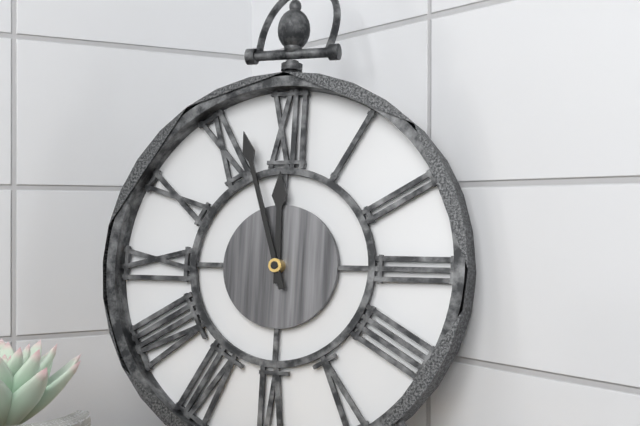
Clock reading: 11h57
